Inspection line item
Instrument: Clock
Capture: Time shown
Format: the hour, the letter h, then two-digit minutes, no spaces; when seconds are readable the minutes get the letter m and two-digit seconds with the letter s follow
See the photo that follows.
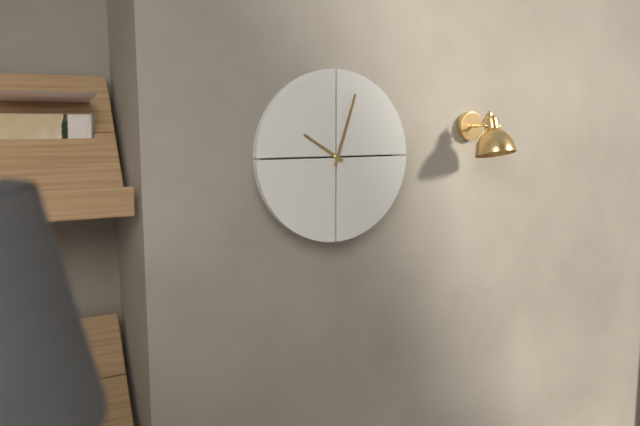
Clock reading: 10h03
